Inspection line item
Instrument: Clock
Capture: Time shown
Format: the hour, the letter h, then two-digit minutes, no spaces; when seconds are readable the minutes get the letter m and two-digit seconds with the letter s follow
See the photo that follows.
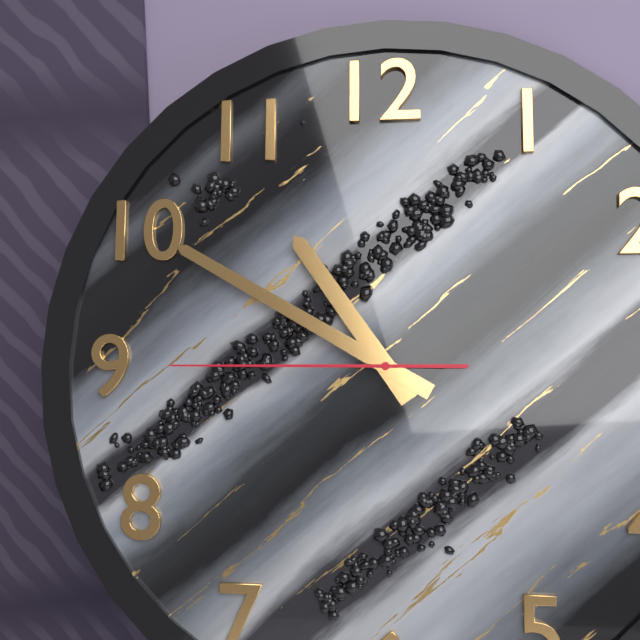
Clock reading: 10h50m45s
